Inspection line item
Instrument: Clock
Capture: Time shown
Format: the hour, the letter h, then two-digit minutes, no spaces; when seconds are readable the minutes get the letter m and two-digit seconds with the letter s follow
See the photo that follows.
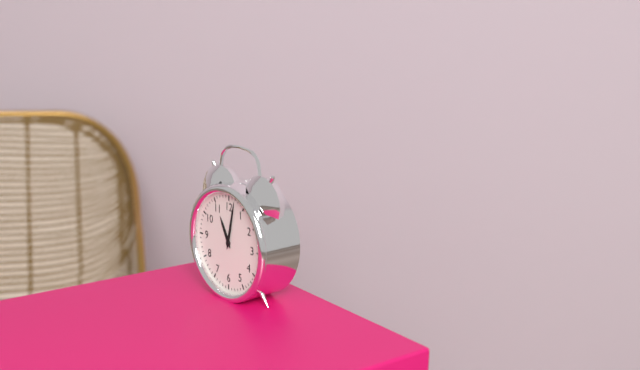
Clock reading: 11h02
